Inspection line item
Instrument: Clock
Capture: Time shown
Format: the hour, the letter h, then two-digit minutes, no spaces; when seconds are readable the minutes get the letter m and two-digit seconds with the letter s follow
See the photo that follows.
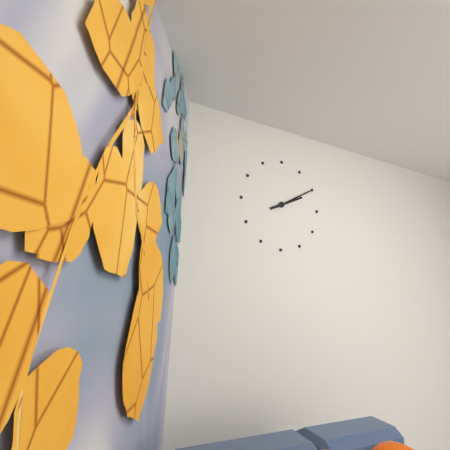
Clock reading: 2h10
